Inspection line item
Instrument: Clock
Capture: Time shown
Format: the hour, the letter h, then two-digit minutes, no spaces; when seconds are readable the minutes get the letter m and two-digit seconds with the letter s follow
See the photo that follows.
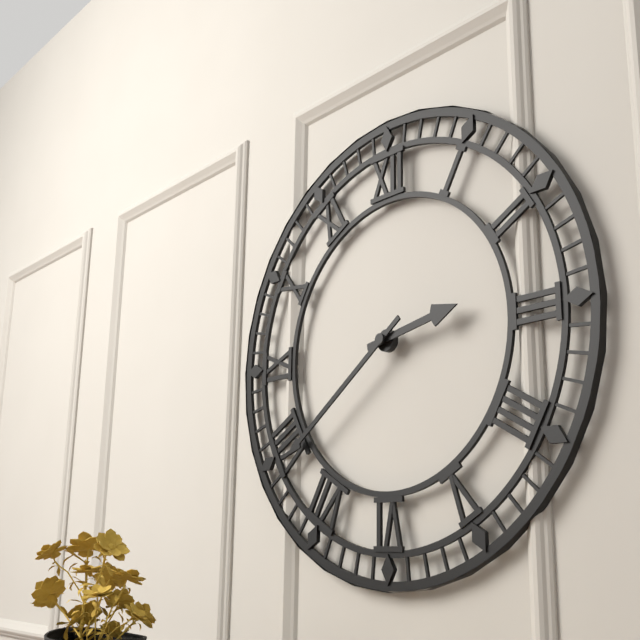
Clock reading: 2h39
